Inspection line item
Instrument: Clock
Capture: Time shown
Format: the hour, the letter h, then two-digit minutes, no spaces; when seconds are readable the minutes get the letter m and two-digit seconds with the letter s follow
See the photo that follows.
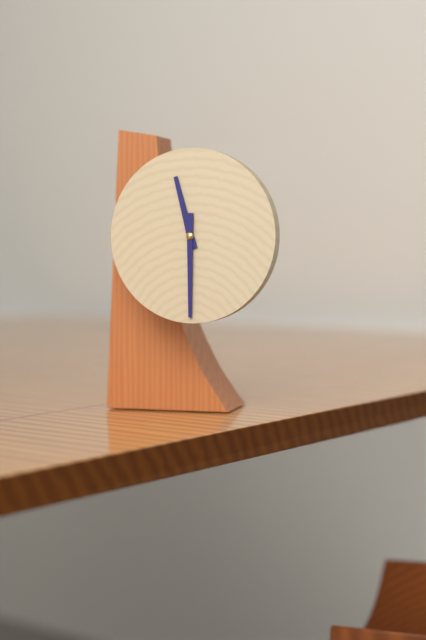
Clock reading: 11h30
